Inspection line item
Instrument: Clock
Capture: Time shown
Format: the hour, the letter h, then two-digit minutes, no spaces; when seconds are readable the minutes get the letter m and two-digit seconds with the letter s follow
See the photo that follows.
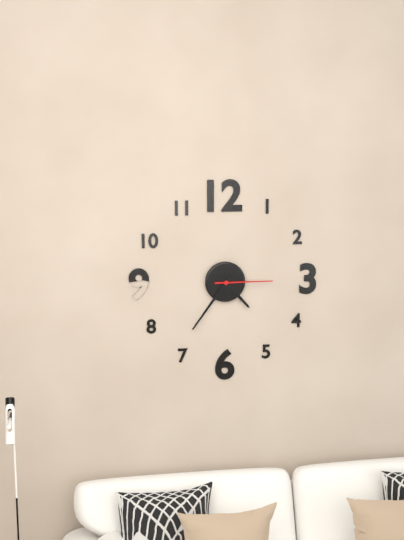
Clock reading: 4h36m15s
